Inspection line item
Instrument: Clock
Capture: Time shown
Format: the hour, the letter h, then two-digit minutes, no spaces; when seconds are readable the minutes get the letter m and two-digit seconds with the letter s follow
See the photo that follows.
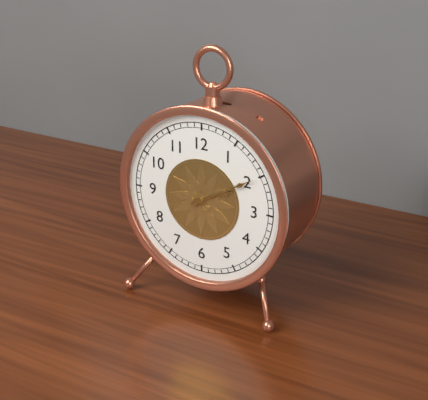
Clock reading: 2h10
